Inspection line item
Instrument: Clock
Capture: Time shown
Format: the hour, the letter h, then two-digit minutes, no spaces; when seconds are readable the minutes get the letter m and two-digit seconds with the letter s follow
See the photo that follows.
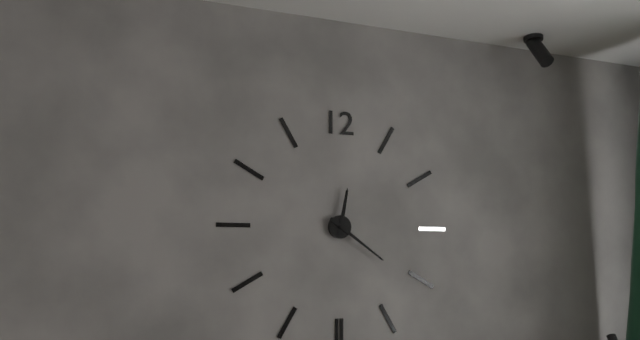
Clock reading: 12h21
